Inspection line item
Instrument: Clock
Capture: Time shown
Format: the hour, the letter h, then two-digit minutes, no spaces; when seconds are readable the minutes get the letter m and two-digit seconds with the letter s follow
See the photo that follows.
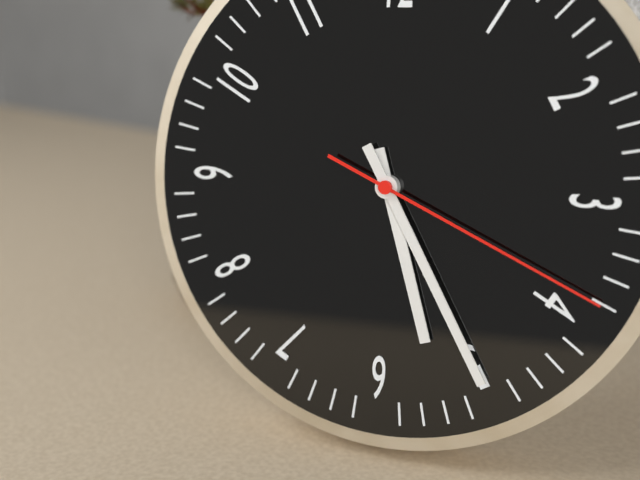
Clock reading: 5h25m19s
